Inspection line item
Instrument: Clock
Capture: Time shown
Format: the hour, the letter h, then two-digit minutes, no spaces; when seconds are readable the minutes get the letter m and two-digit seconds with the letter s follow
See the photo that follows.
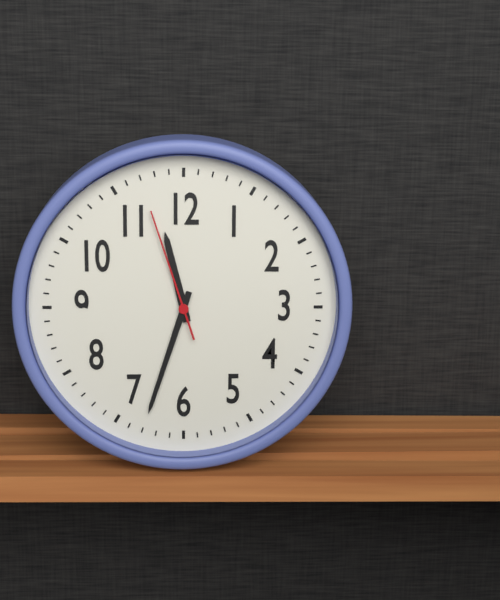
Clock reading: 11h33m57s
